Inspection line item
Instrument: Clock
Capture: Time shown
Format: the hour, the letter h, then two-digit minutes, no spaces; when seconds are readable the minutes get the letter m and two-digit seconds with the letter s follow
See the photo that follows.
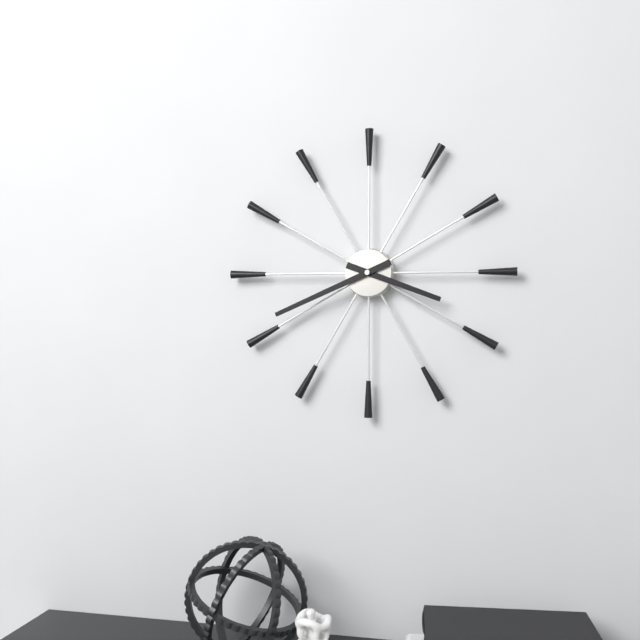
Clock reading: 3h41
